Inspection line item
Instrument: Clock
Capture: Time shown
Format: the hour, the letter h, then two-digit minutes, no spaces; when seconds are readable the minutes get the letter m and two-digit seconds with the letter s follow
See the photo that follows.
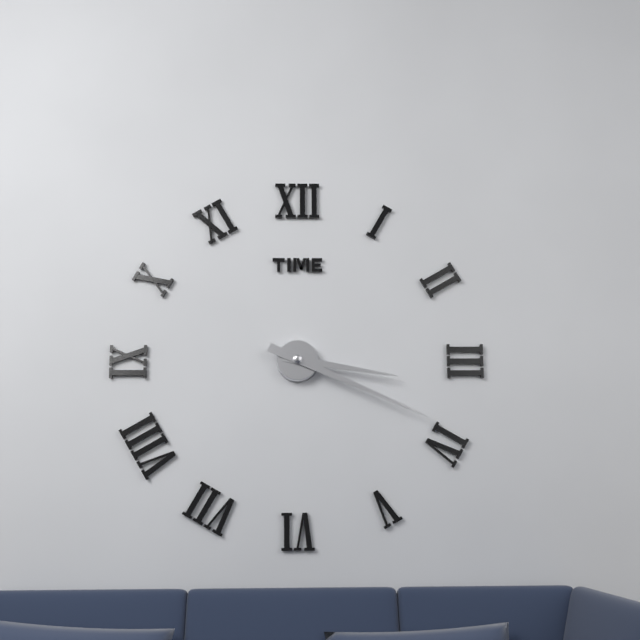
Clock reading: 3h19
